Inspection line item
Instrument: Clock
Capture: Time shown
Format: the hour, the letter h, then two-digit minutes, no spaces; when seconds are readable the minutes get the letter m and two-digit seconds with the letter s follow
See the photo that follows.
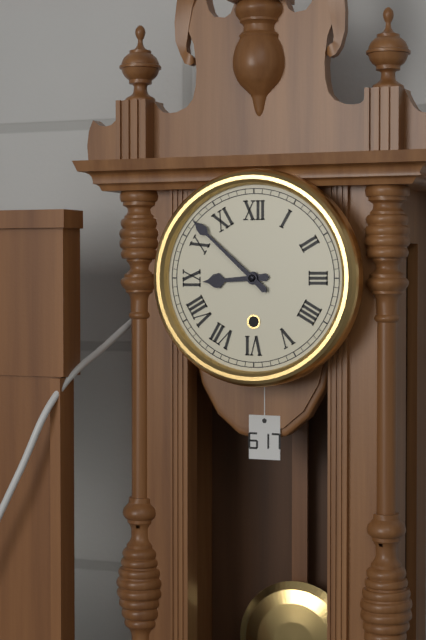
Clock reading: 8h52
